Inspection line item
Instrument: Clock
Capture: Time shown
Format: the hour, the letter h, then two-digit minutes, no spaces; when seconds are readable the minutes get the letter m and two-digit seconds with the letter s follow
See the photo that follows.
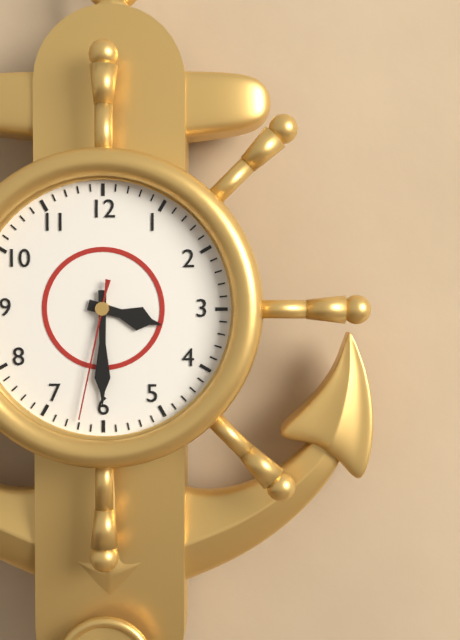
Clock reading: 3h30m32s
